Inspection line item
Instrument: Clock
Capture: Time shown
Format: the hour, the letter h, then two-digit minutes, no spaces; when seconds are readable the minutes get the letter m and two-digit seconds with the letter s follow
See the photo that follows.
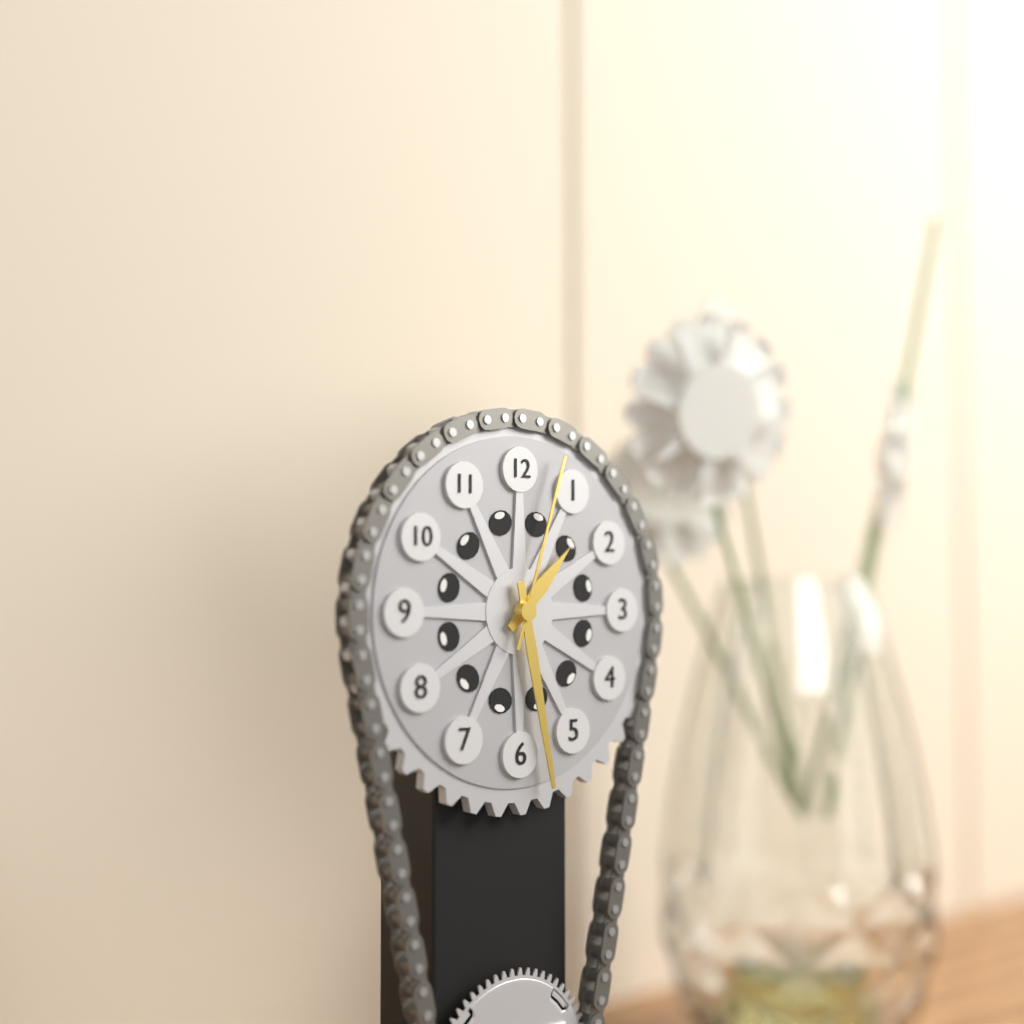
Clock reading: 1h28m03s
